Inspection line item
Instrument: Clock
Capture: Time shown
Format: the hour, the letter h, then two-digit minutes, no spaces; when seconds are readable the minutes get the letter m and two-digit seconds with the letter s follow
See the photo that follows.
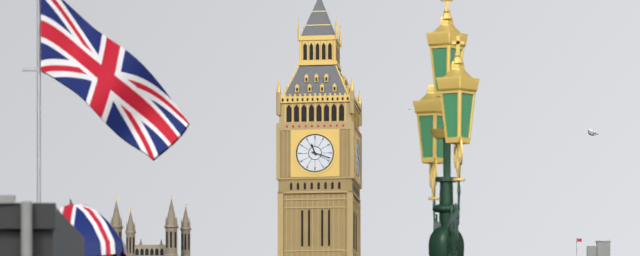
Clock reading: 11h18
